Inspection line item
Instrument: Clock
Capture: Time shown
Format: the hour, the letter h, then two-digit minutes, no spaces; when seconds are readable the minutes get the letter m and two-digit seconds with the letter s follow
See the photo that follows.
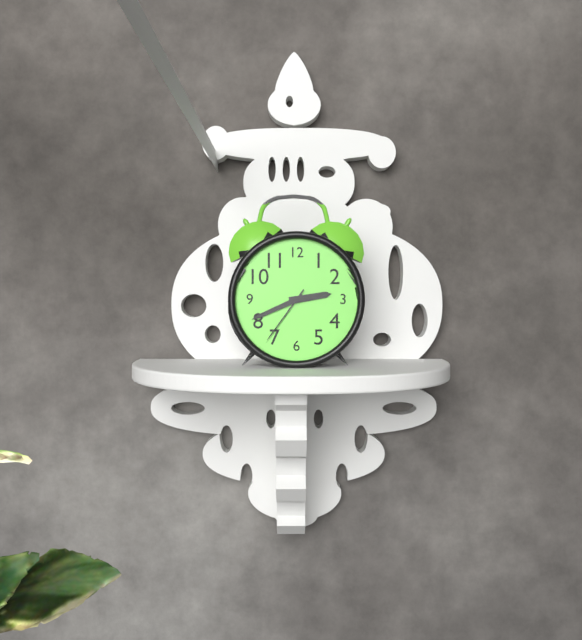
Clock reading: 2h41m36s
